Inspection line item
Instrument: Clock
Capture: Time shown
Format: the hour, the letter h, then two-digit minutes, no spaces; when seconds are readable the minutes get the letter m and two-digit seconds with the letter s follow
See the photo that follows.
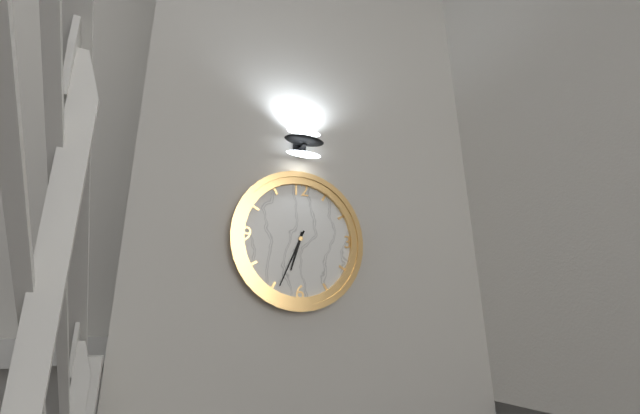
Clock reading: 6h34
